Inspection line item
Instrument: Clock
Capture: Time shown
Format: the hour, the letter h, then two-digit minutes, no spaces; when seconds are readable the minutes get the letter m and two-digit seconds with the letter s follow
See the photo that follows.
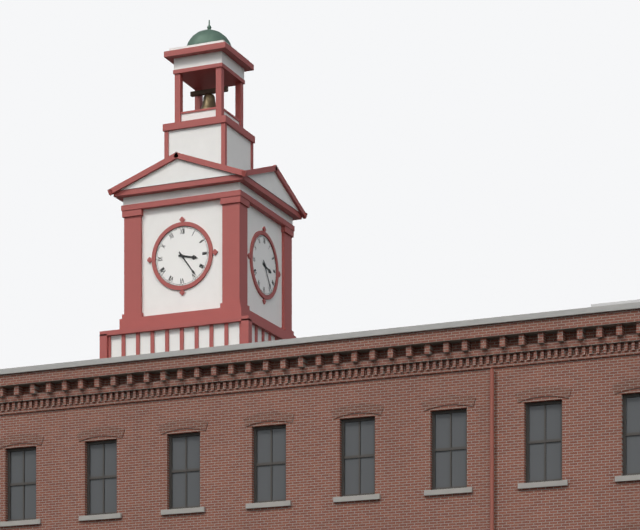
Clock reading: 3h24
